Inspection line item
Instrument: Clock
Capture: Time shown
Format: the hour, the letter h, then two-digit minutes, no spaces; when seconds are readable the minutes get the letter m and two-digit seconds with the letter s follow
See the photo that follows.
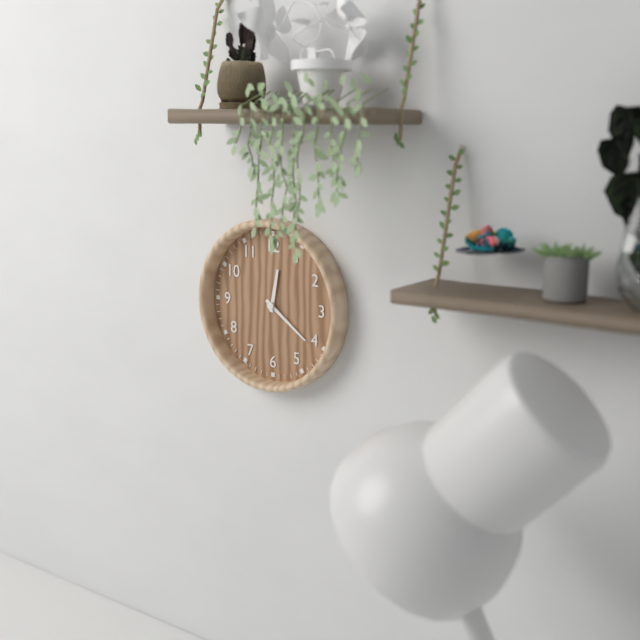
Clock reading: 12h21
